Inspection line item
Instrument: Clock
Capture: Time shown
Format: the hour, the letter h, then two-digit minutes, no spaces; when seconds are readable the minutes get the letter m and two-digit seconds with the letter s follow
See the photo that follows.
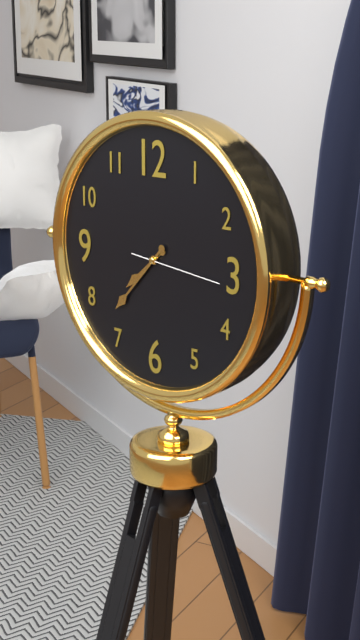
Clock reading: 7h37m16s
